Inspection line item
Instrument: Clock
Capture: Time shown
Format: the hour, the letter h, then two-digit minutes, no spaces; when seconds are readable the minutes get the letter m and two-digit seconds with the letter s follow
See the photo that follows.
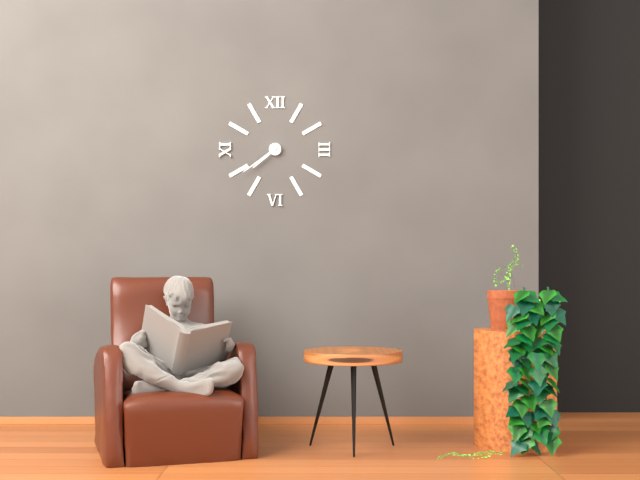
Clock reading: 7h39
